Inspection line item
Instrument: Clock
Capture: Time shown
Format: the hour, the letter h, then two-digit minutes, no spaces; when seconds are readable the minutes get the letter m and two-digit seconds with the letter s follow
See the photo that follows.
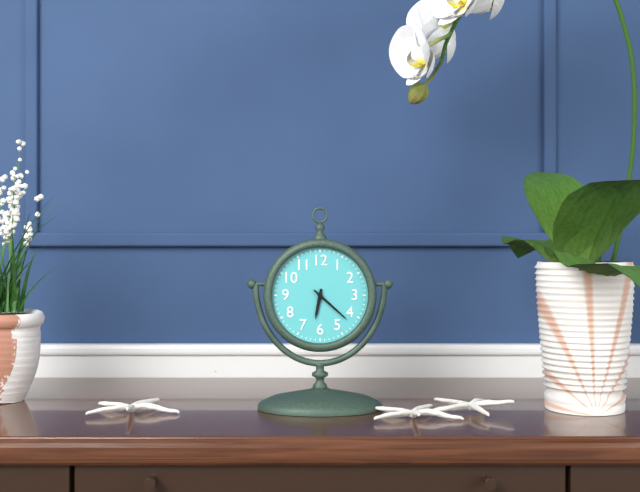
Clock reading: 6h22
